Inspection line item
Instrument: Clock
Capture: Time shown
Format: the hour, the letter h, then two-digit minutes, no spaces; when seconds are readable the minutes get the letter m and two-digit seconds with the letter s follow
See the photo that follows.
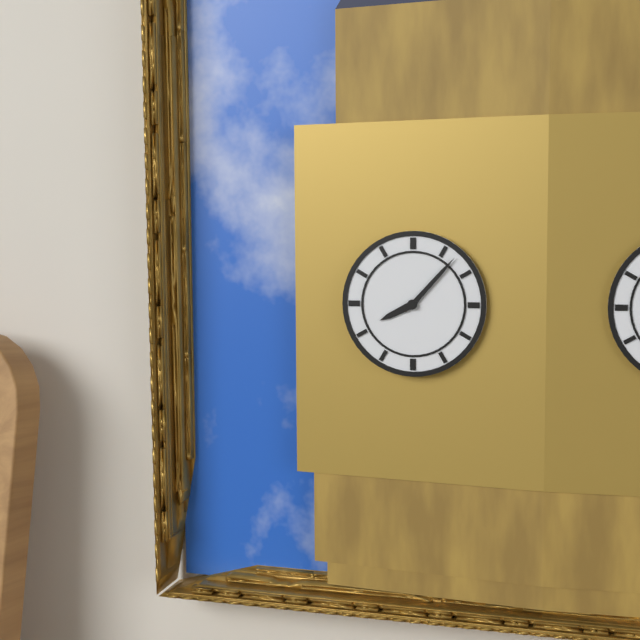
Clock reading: 8h07
